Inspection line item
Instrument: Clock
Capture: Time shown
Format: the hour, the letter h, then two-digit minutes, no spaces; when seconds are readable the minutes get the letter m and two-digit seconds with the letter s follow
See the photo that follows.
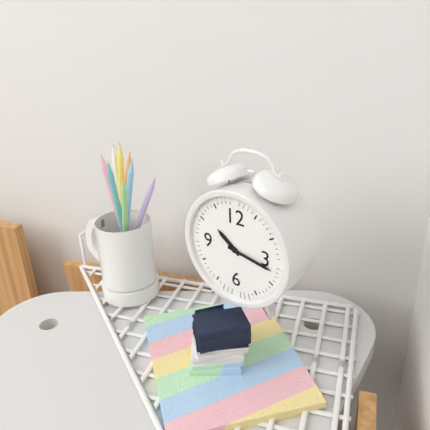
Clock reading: 10h17
